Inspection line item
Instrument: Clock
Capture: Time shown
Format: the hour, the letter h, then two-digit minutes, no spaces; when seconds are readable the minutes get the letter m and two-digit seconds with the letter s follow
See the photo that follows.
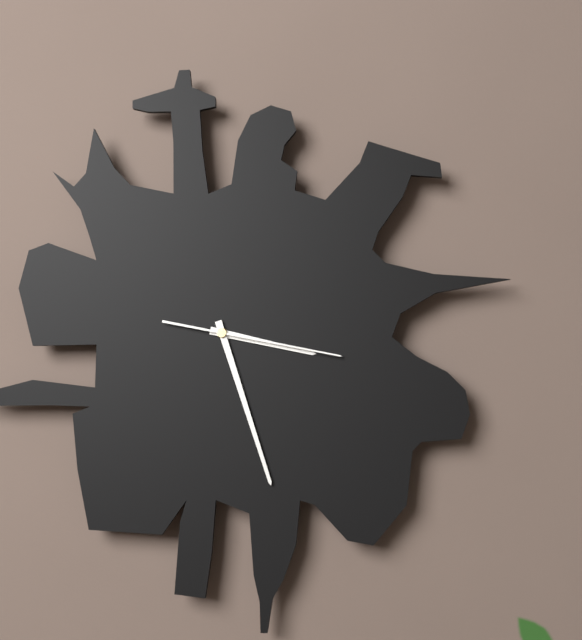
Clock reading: 3h27m17s
